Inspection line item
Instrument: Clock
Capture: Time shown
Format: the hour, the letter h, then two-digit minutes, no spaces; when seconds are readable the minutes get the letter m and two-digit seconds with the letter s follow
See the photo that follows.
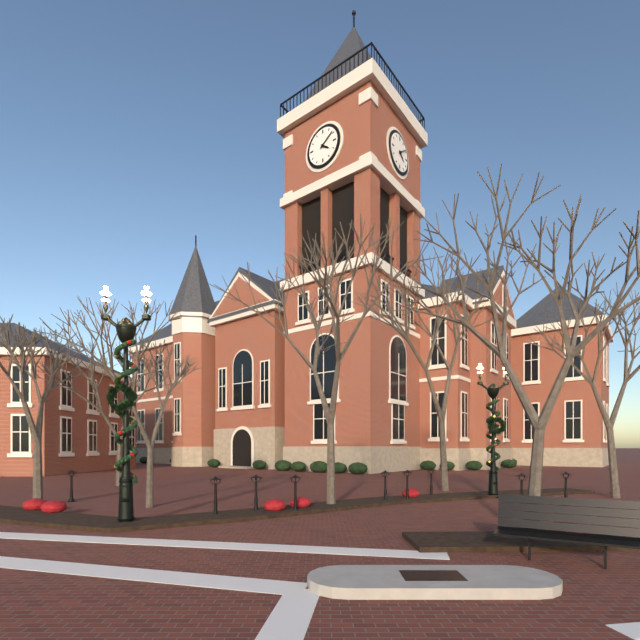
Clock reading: 4h09
